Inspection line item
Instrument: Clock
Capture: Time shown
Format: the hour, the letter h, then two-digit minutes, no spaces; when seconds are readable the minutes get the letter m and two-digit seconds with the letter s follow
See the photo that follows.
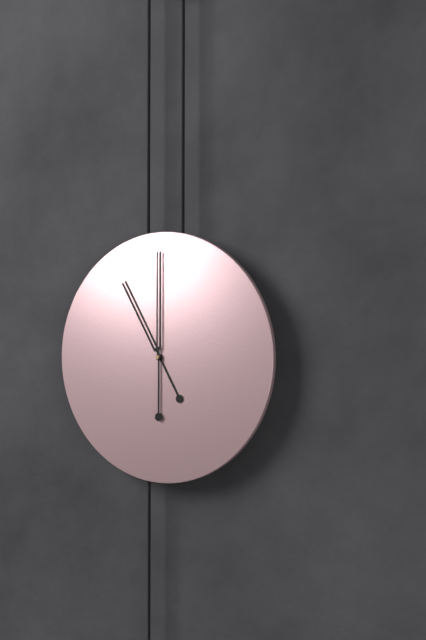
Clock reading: 11h00
